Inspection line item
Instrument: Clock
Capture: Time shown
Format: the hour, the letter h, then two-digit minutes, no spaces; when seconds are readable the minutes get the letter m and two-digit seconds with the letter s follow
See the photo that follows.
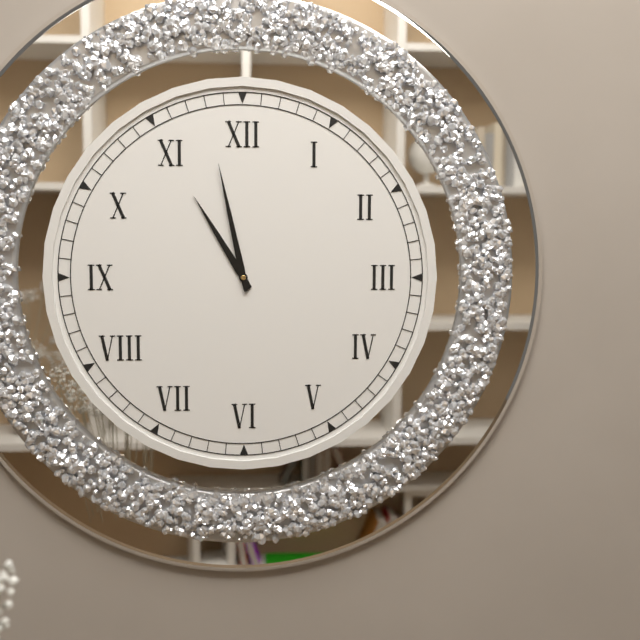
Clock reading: 10h58
